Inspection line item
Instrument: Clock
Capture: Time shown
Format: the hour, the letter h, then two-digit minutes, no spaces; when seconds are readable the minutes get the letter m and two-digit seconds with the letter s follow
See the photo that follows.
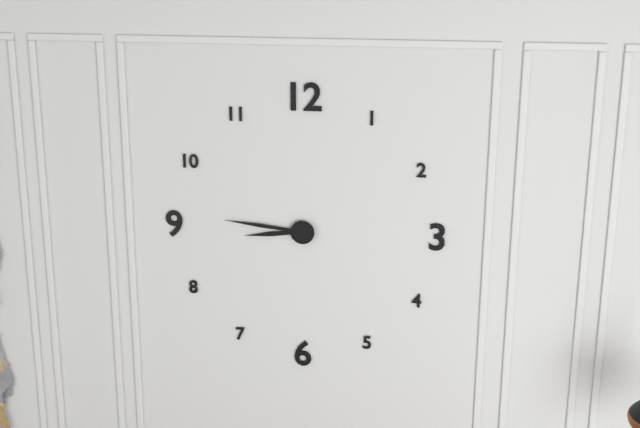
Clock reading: 8h46
